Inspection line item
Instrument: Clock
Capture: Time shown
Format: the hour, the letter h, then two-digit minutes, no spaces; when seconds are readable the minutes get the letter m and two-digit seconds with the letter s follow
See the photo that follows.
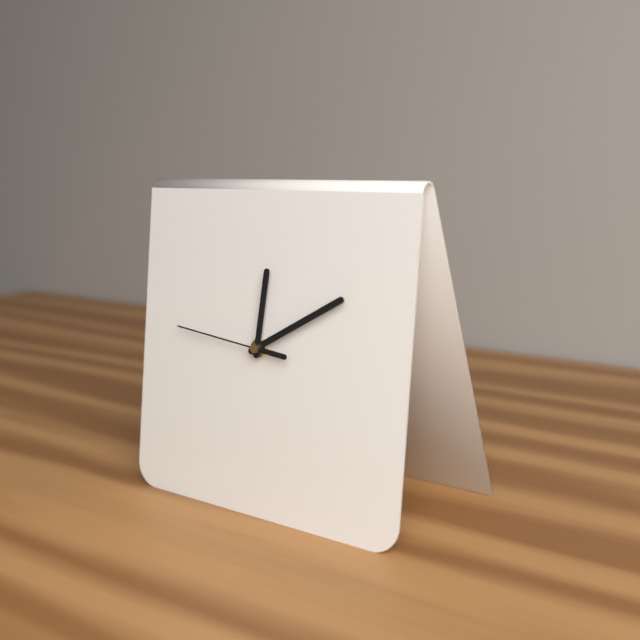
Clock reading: 12h10m46s
